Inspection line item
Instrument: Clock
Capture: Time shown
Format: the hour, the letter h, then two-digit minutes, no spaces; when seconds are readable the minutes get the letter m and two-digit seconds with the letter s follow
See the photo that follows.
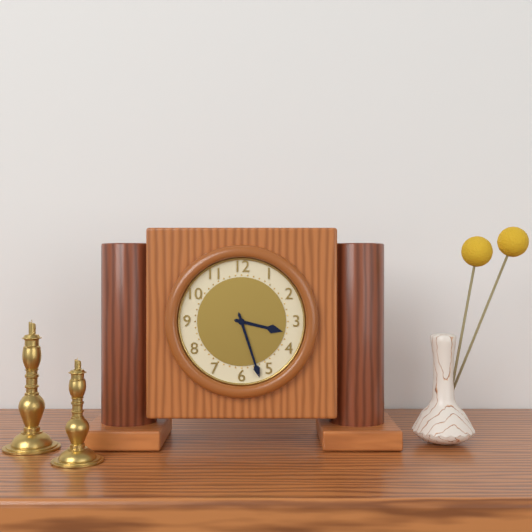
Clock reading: 3h27
